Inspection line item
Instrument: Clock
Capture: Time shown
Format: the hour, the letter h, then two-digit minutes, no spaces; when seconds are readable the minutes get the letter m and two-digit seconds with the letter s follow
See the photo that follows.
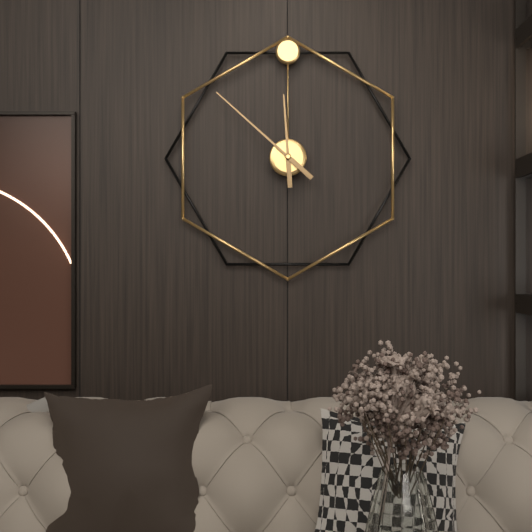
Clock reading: 11h52
